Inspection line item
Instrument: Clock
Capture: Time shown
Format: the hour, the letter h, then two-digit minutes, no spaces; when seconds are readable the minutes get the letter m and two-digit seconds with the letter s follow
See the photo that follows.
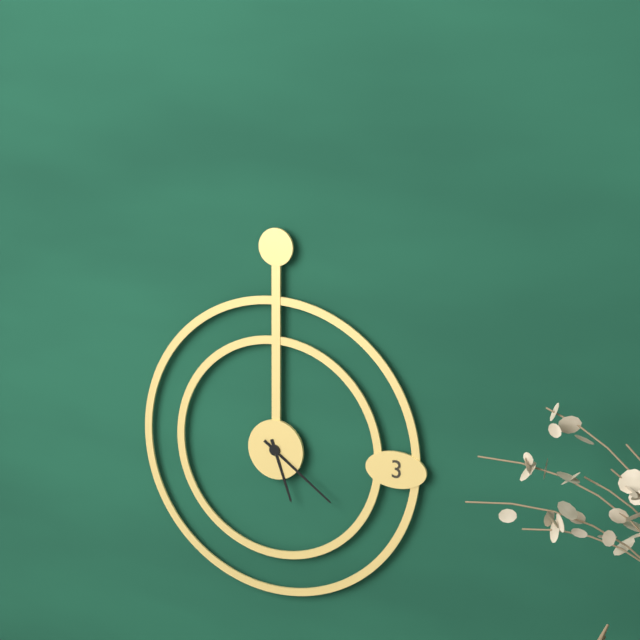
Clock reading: 5h21
